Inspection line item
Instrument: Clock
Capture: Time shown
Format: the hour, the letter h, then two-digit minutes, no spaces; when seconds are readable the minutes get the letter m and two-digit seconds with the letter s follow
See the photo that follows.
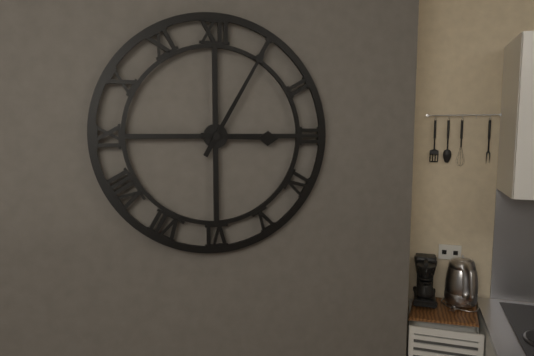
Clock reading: 3h05
